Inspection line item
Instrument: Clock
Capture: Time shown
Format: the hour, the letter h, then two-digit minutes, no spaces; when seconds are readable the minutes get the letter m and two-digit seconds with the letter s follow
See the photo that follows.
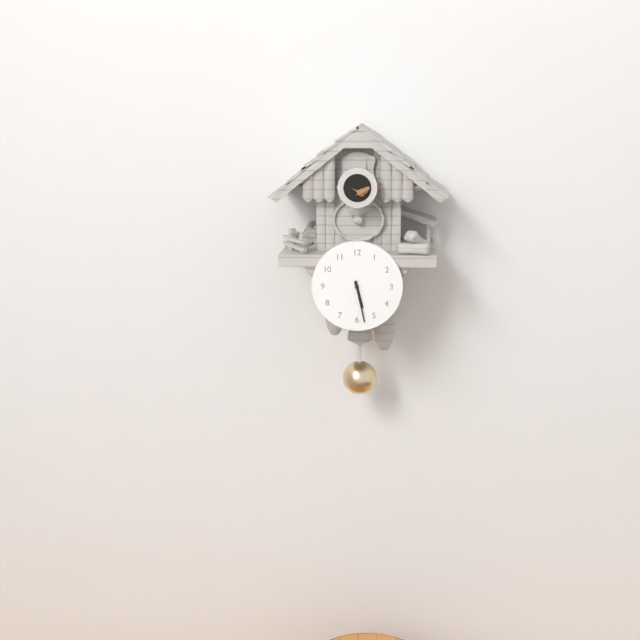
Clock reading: 5h28
